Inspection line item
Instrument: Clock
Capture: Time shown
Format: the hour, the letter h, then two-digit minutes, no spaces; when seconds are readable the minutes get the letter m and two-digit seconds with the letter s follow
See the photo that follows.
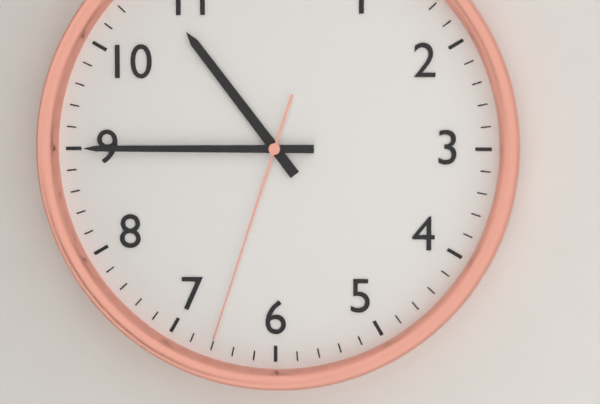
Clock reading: 10h45m33s
